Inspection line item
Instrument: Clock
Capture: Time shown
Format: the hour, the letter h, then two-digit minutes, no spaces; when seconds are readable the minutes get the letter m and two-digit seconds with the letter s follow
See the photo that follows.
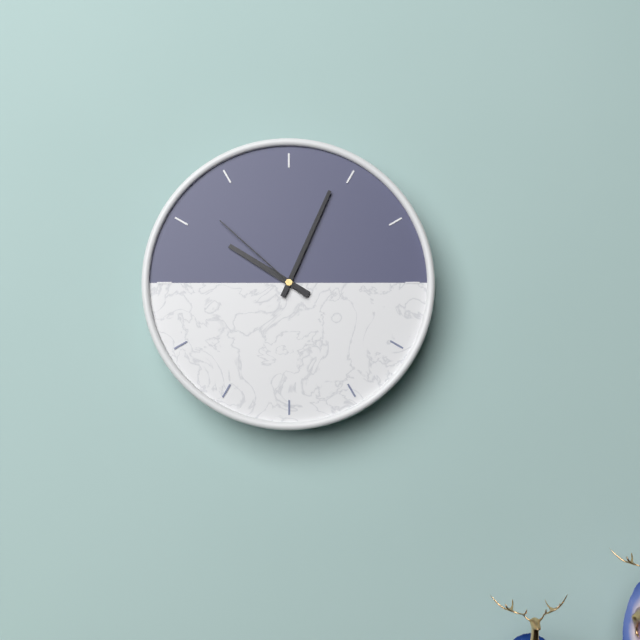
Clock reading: 10h04m52s
